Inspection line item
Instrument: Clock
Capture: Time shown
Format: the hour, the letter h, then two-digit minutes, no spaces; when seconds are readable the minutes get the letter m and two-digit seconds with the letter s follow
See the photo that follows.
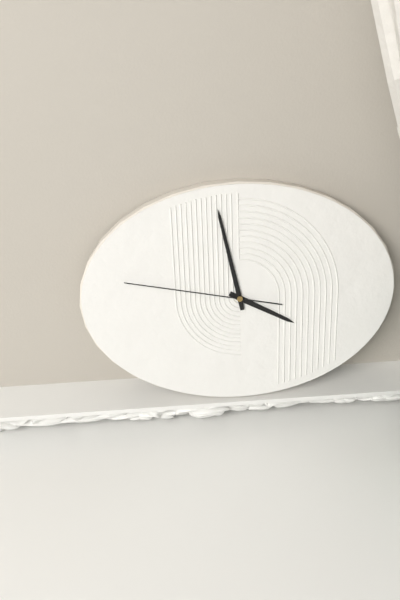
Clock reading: 3h58m47s
